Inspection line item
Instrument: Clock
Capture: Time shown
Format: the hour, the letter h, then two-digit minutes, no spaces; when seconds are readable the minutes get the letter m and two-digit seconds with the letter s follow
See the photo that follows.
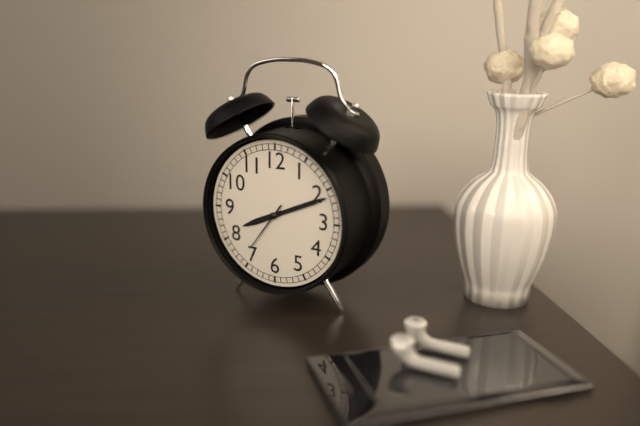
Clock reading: 8h11m36s
